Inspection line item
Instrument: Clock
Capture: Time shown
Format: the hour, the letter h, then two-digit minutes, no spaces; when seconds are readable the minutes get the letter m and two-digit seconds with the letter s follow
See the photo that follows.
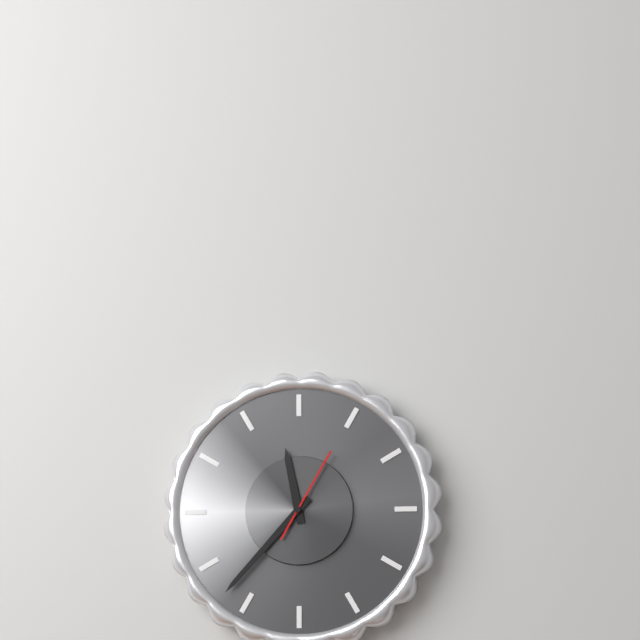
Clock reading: 11h37m05s
